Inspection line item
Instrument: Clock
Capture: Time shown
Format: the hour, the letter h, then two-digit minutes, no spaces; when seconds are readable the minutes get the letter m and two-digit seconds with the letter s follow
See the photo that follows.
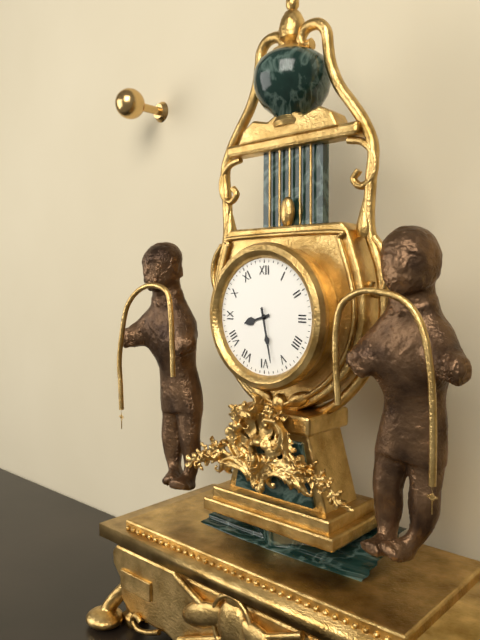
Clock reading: 8h28
